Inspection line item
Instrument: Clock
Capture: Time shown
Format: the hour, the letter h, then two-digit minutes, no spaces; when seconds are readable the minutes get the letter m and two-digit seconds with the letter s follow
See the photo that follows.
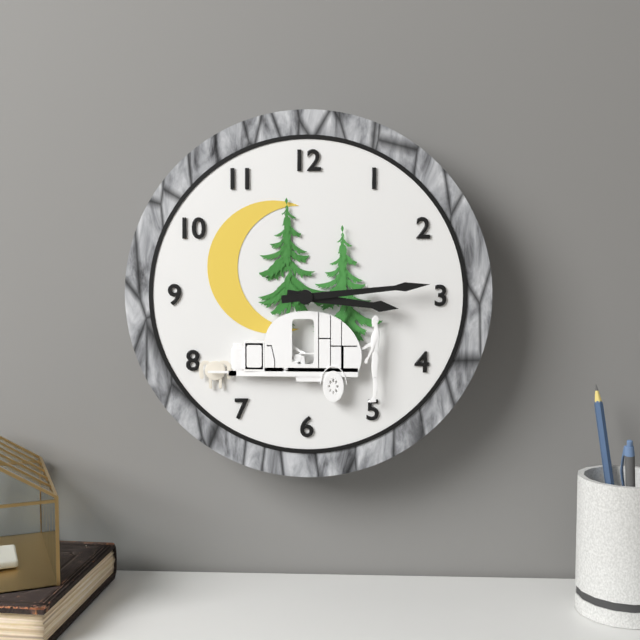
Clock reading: 3h14
